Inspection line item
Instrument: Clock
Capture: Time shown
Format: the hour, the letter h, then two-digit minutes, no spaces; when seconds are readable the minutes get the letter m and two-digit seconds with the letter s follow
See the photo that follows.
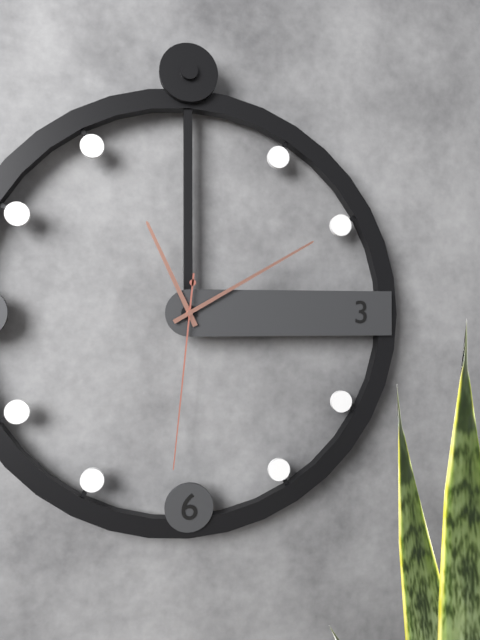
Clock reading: 11h10m31s
